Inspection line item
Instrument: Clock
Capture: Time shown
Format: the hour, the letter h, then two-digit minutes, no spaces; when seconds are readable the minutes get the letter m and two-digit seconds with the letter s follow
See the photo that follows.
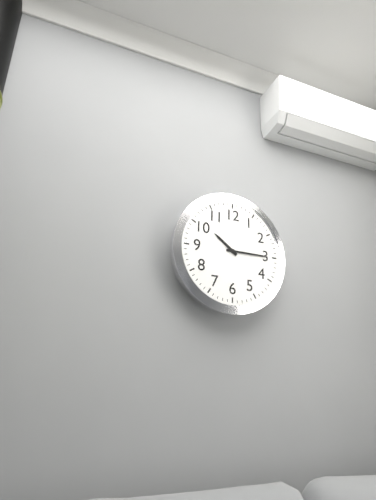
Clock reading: 10h15
